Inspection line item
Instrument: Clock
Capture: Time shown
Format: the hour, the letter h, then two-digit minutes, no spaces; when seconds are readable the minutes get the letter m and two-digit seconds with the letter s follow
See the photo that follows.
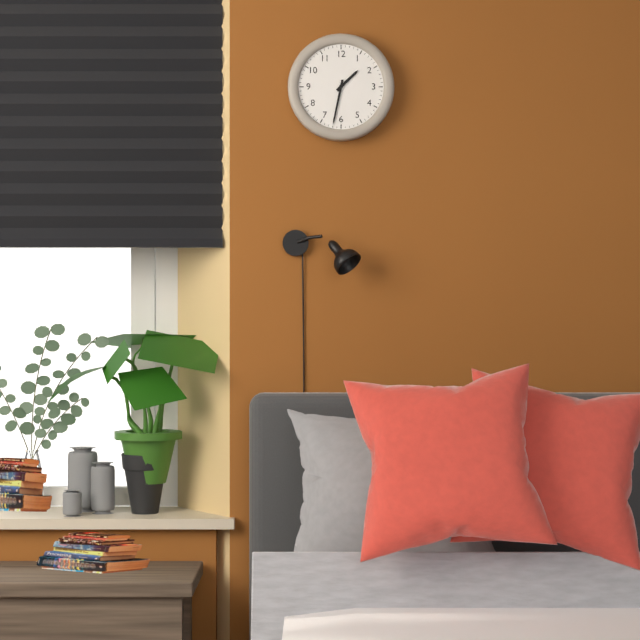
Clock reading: 1h32
